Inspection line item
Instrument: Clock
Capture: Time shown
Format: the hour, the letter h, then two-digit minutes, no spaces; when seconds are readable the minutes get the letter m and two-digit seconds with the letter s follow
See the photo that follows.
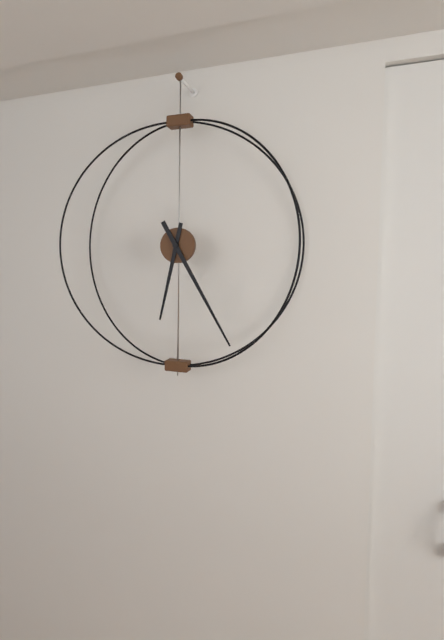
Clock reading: 6h25
